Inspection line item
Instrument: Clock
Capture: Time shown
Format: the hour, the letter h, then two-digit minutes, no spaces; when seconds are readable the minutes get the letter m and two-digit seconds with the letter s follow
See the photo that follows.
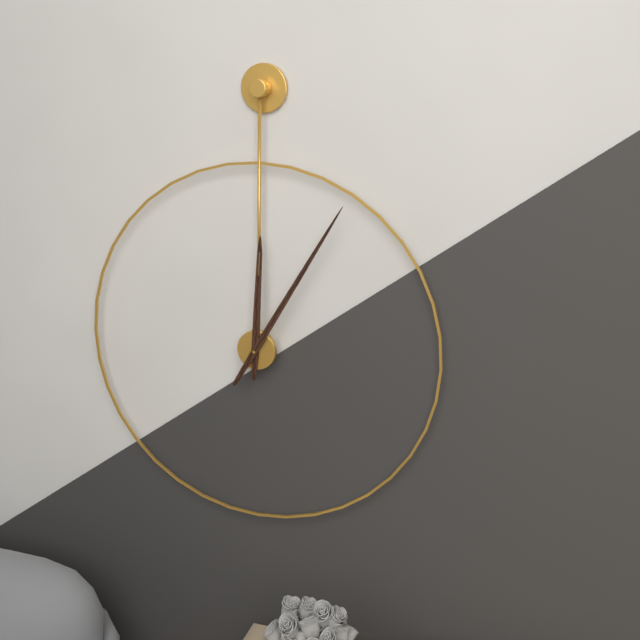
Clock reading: 12h05
